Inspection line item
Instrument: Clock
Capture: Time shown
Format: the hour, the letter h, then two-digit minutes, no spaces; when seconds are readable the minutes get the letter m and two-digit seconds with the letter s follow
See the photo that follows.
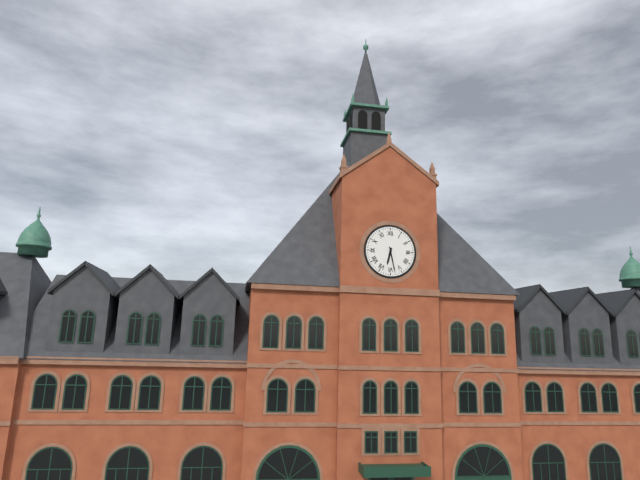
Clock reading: 6h28
